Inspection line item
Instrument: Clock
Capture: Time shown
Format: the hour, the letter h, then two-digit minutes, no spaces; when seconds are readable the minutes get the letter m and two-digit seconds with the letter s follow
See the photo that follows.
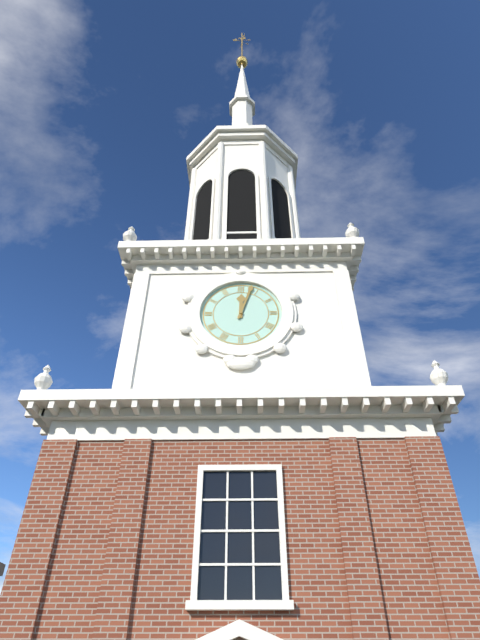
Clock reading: 12h03
